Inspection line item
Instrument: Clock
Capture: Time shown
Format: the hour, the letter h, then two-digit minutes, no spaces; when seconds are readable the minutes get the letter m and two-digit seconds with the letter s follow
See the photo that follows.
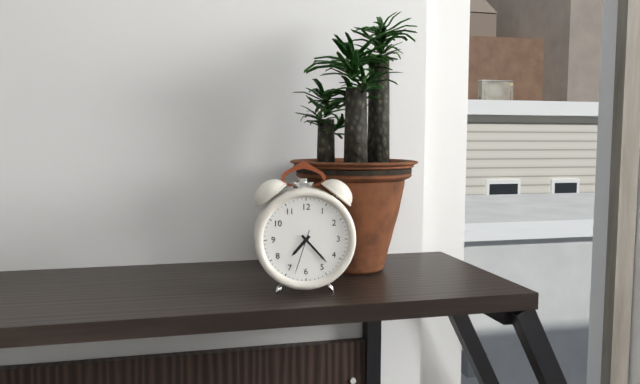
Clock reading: 7h23
